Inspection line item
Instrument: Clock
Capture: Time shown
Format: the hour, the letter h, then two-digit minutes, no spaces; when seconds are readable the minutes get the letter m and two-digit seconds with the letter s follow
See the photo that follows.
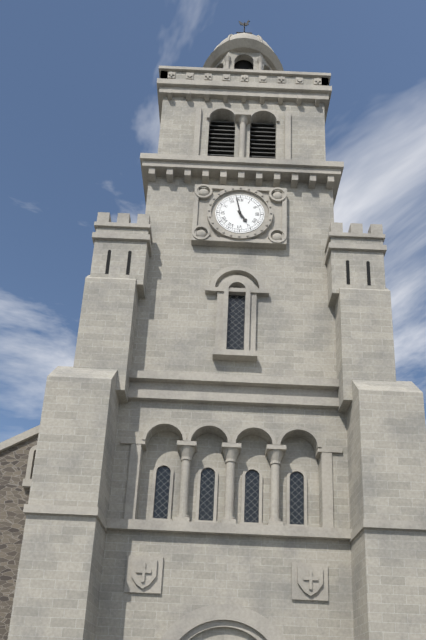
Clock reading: 4h58
